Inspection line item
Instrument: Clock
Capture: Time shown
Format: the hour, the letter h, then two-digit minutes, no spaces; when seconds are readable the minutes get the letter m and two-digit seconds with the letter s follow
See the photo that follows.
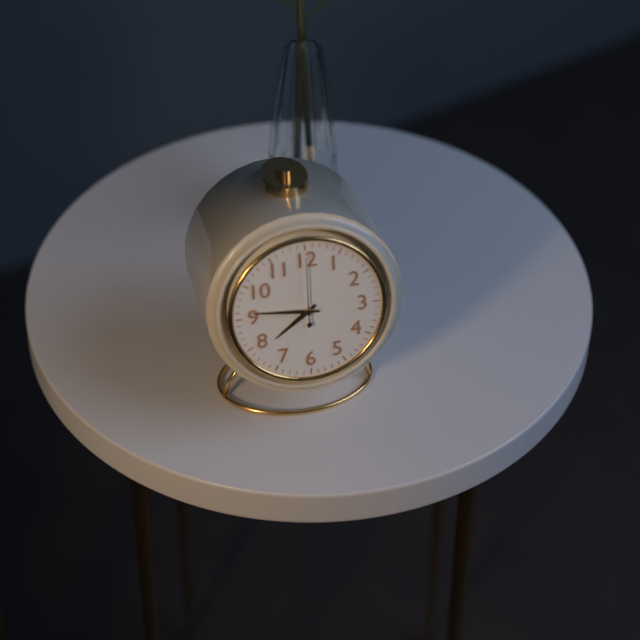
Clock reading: 7h46
